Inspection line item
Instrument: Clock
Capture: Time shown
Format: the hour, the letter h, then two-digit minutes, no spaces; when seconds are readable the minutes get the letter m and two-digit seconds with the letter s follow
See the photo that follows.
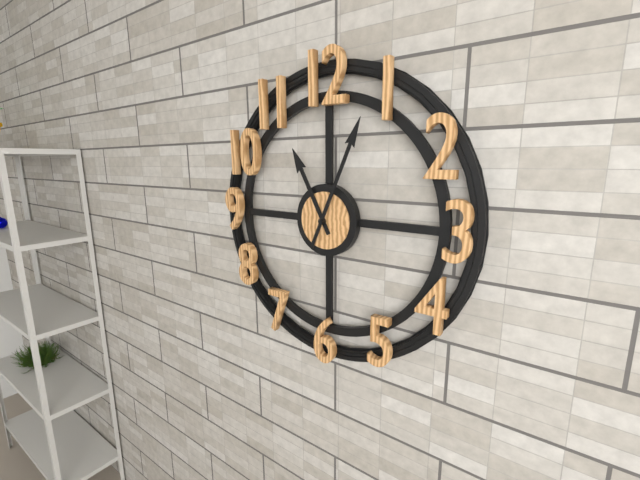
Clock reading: 11h04
